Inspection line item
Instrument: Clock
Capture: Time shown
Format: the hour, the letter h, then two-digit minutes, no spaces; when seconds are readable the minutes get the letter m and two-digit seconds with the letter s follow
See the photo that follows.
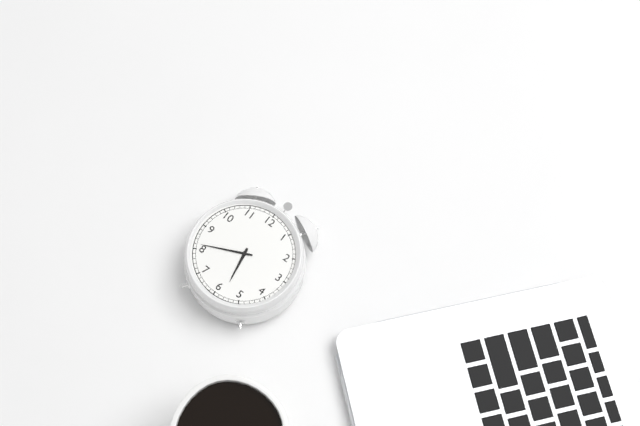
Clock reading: 5h41
